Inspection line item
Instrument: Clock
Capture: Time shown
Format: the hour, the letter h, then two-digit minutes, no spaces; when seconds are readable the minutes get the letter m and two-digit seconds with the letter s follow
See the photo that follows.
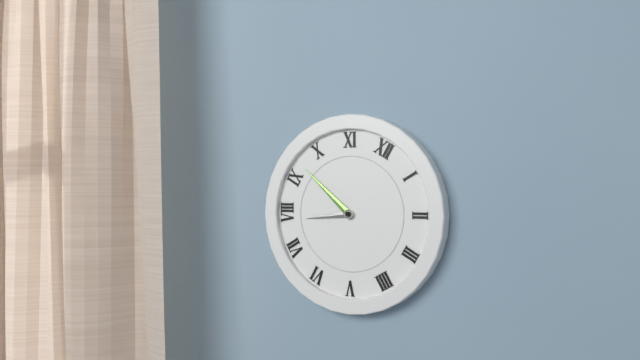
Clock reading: 7h47
